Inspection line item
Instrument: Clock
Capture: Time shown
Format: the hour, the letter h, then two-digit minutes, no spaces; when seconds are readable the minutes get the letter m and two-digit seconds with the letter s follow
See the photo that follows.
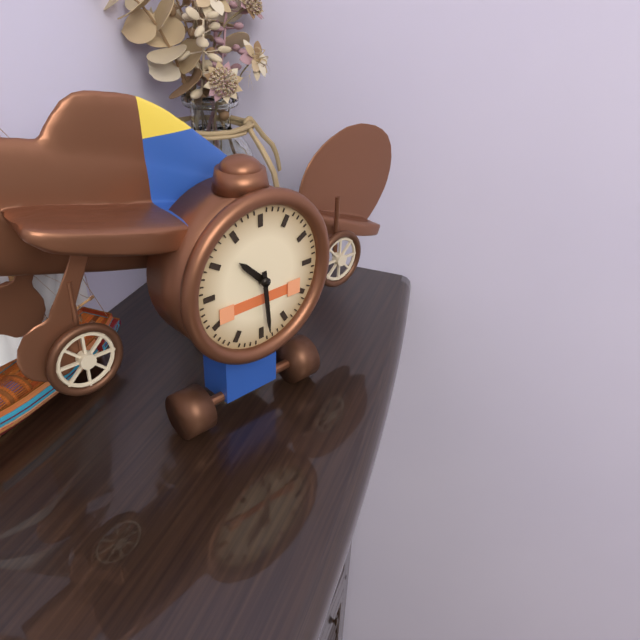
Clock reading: 10h29
